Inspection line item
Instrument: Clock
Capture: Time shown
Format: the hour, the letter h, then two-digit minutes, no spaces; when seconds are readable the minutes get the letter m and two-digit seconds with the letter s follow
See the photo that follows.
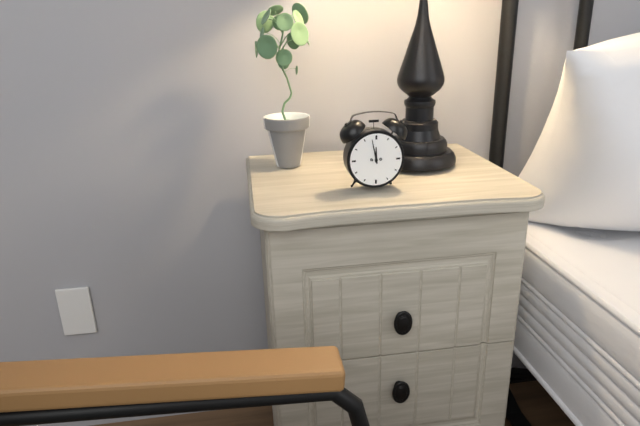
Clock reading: 11h58
